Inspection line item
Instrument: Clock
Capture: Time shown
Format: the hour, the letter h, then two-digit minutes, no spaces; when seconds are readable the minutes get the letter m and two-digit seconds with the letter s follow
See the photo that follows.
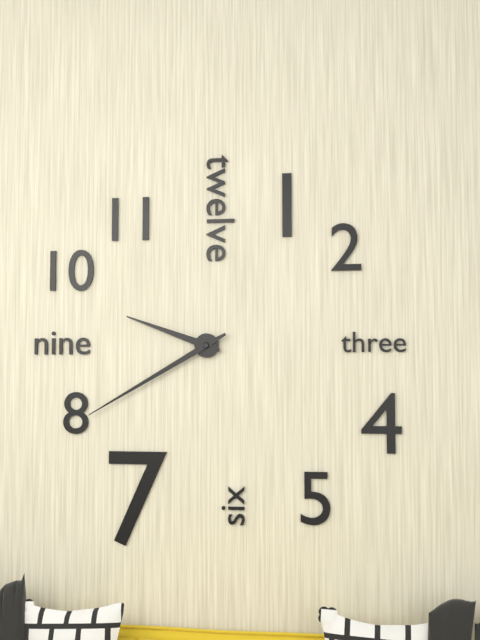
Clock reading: 9h40
